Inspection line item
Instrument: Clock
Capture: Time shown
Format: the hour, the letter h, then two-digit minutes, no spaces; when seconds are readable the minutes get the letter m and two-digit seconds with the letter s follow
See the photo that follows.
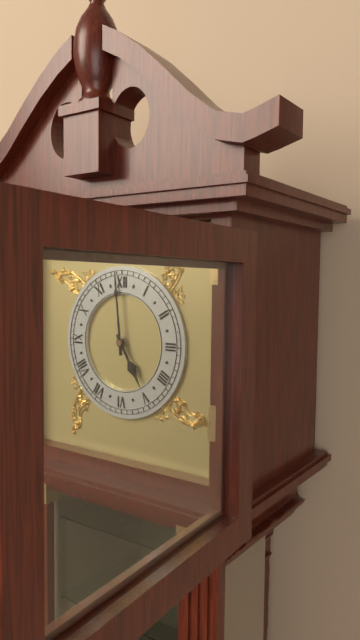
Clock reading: 4h59
